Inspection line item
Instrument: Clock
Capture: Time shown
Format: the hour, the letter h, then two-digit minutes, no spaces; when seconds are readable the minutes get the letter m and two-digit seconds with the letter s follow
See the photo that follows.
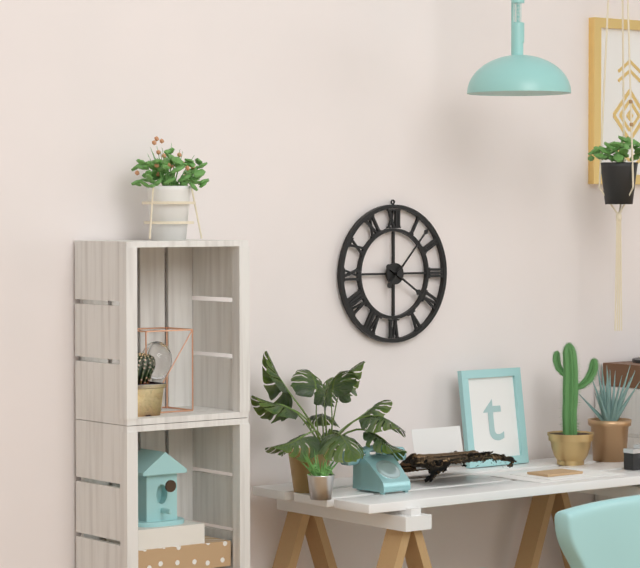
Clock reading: 4h07
